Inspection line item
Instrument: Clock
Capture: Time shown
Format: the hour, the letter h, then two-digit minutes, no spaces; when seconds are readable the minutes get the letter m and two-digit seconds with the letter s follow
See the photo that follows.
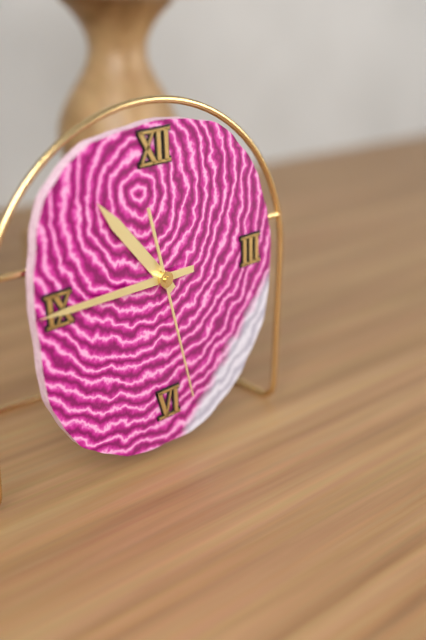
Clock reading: 10h45m28s
